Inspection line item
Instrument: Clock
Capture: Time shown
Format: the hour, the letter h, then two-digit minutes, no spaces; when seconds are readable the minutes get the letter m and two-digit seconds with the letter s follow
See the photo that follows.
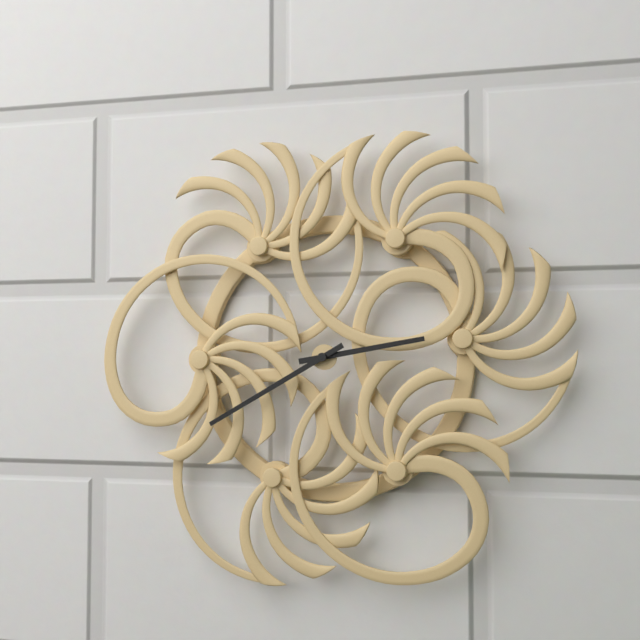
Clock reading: 2h40
